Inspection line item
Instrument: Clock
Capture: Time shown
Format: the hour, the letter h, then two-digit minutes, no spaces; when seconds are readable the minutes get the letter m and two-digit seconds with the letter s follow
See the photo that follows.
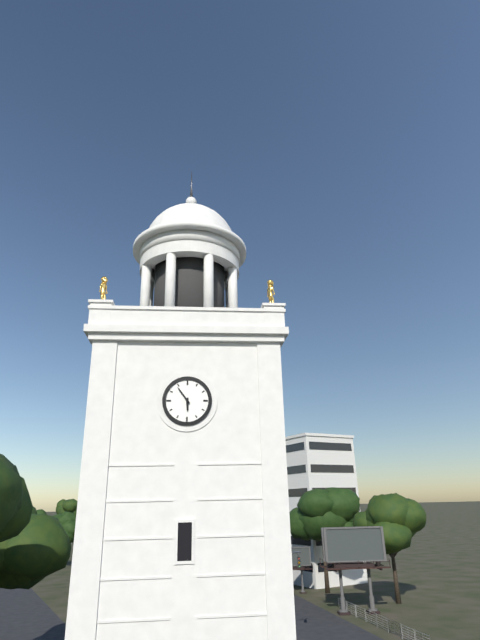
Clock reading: 5h54
